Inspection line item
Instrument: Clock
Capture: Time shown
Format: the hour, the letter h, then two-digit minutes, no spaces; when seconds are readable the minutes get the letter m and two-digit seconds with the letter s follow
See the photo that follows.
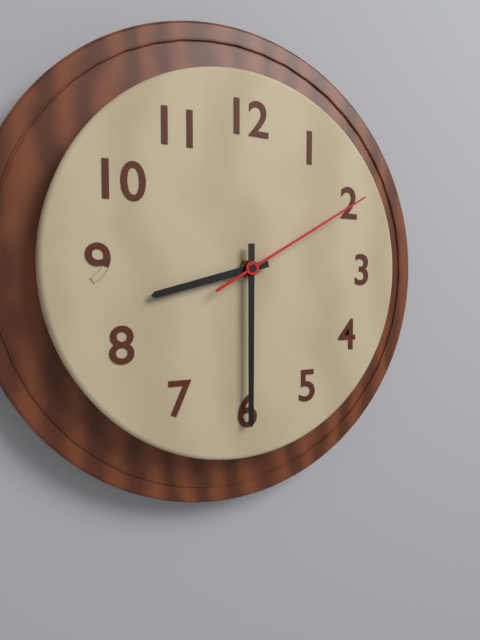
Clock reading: 8h30m10s
